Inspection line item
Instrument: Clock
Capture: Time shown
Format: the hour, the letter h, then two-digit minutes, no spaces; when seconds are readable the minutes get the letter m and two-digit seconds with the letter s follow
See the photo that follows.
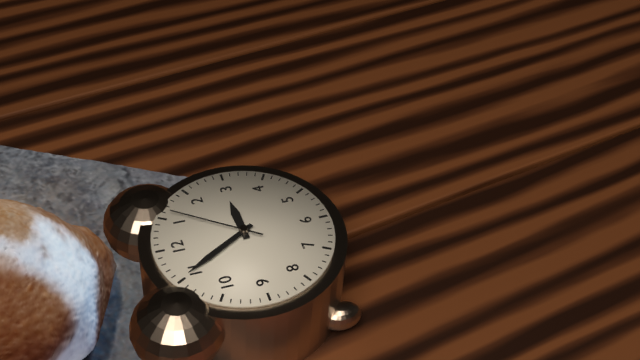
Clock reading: 2h55m06s
